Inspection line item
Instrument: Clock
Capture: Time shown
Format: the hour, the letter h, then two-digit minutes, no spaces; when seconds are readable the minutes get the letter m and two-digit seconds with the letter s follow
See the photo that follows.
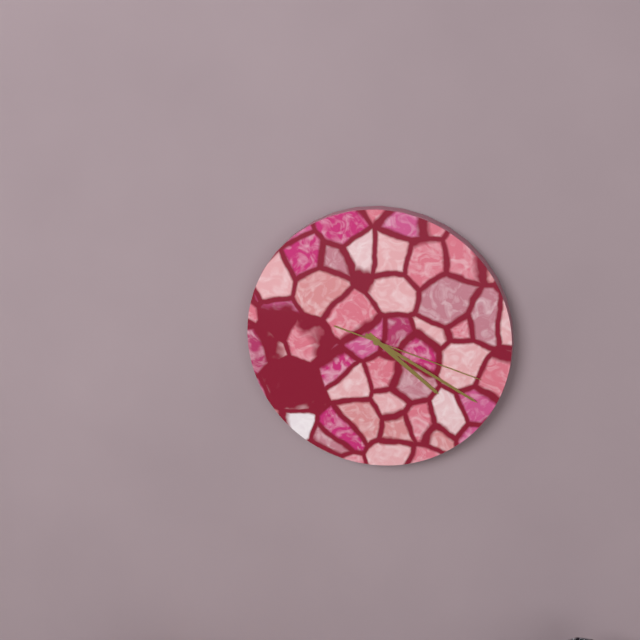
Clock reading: 4h20m18s
